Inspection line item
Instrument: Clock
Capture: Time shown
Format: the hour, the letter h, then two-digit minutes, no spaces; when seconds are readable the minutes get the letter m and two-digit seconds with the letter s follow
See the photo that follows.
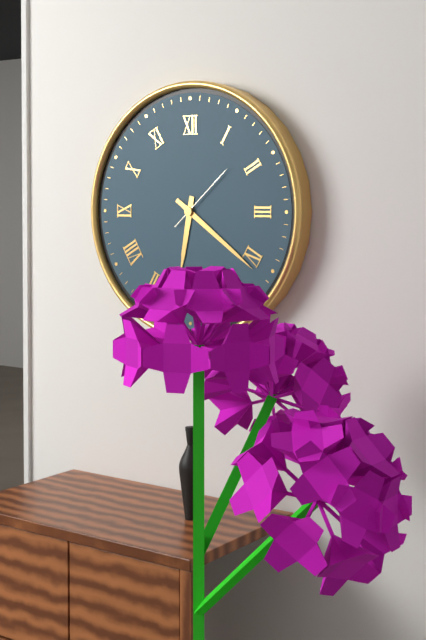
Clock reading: 6h21m08s
